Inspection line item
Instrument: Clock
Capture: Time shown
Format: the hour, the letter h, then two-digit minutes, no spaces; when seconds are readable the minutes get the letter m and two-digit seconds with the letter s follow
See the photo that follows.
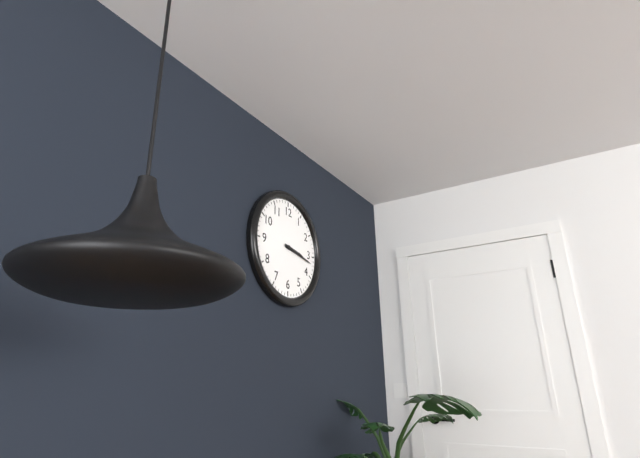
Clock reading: 3h17
